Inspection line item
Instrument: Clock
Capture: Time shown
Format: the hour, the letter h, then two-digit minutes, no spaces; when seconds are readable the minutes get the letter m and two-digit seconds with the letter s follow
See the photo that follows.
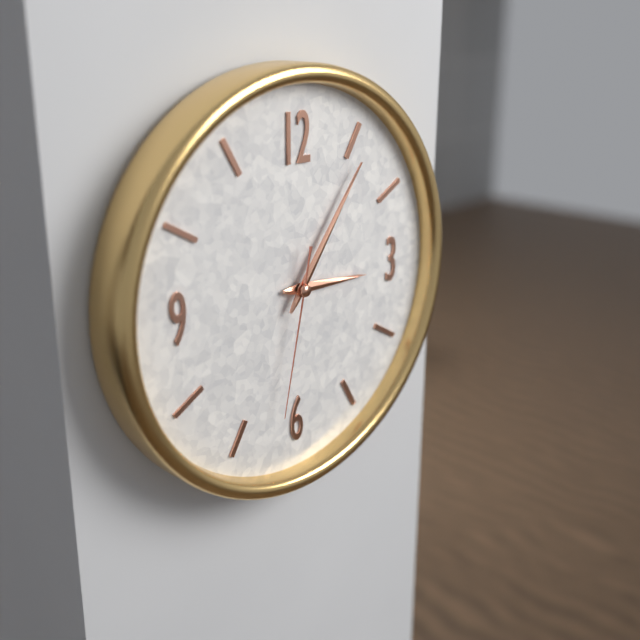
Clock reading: 3h06m32s
